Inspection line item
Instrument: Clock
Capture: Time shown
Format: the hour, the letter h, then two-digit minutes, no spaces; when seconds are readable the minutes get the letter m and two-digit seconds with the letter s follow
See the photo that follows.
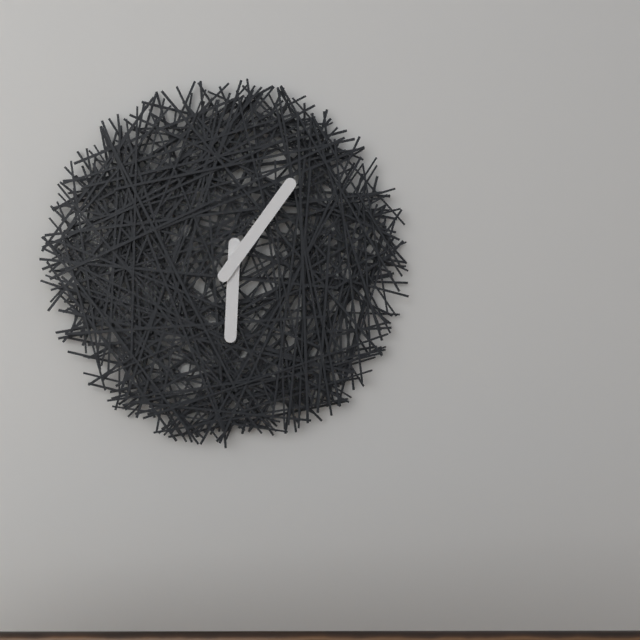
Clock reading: 6h06
